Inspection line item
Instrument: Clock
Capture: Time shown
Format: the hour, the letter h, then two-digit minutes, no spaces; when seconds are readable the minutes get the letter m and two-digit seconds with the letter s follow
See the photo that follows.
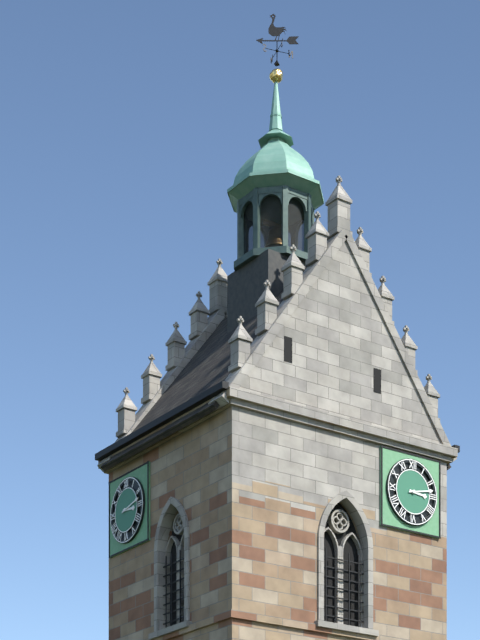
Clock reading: 3h13
